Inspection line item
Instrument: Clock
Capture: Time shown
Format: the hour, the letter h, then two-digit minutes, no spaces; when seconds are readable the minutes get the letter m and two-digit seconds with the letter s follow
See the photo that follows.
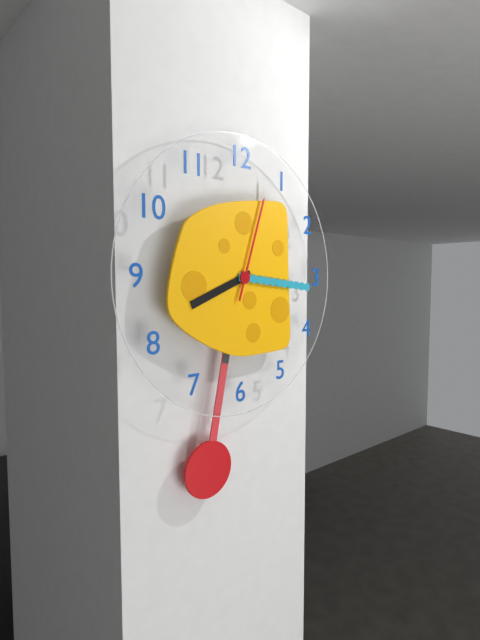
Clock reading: 8h16m03s
